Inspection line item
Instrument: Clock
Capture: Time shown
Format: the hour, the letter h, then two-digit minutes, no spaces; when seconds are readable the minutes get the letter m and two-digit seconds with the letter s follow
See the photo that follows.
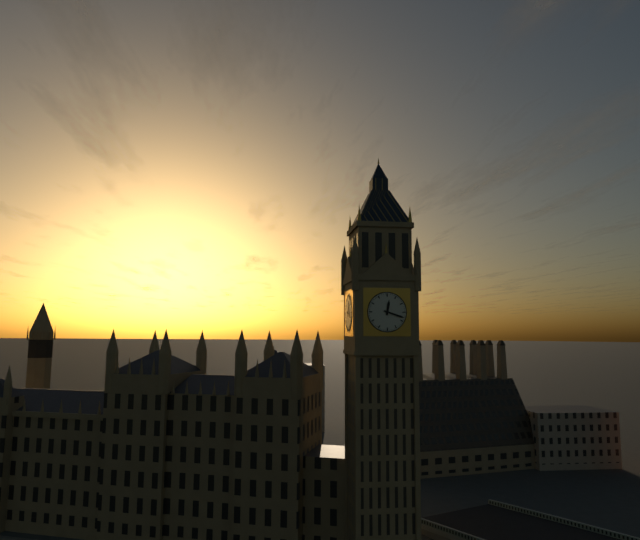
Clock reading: 12h18
